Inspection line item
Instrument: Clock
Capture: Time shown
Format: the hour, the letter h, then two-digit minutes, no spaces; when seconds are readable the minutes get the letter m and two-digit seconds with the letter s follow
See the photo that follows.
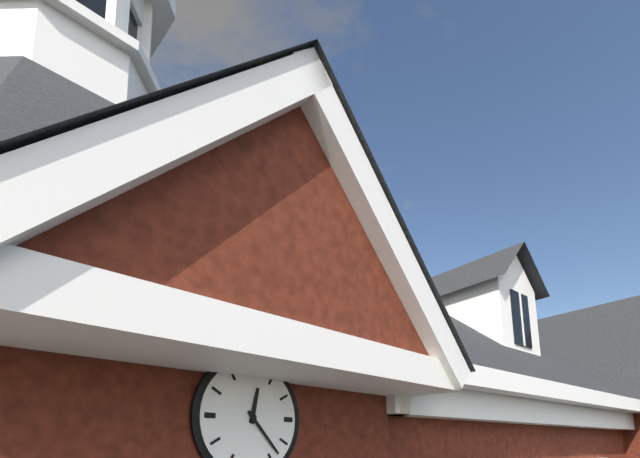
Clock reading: 12h23
